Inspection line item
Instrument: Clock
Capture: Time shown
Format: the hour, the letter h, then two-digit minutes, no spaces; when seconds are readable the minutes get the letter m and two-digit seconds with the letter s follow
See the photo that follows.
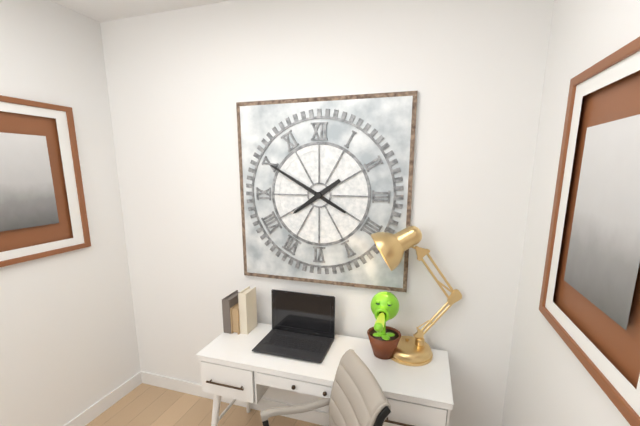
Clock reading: 7h50
